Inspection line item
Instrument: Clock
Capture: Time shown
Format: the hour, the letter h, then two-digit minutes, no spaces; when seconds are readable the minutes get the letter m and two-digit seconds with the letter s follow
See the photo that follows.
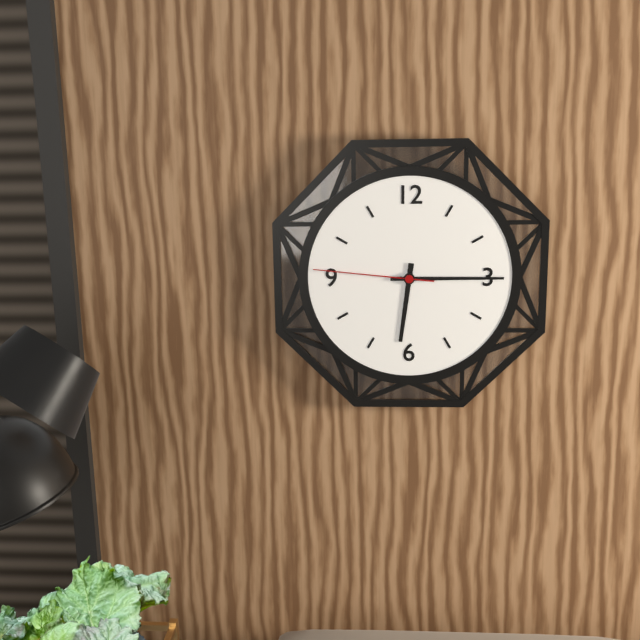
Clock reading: 6h15m46s
